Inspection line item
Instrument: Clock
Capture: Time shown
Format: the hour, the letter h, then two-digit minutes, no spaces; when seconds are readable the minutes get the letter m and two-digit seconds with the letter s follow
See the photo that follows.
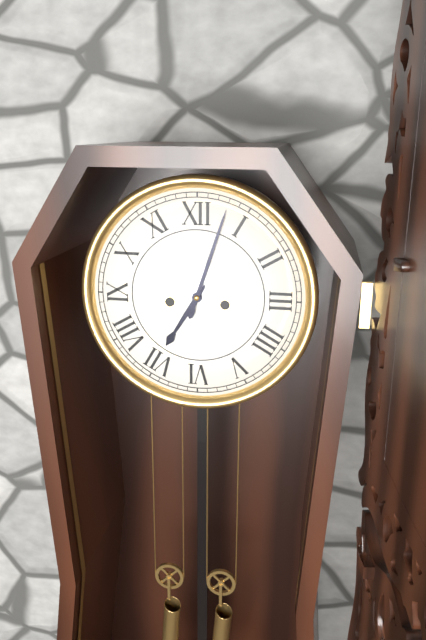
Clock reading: 7h03
